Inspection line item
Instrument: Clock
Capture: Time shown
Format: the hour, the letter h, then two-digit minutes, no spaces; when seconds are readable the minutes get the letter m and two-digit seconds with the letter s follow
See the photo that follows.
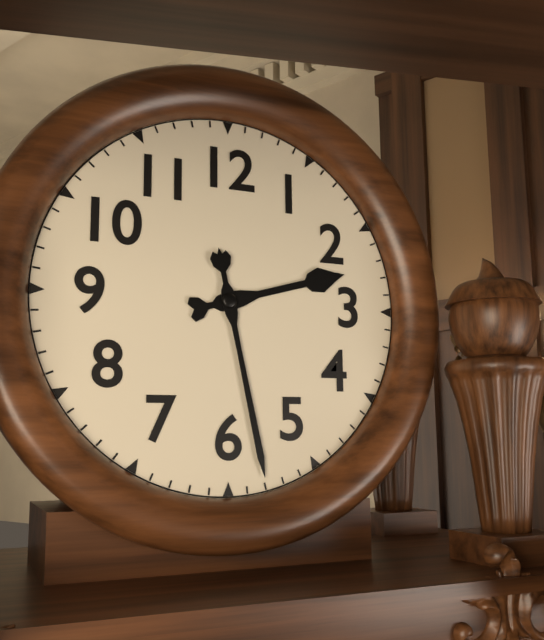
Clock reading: 2h28
